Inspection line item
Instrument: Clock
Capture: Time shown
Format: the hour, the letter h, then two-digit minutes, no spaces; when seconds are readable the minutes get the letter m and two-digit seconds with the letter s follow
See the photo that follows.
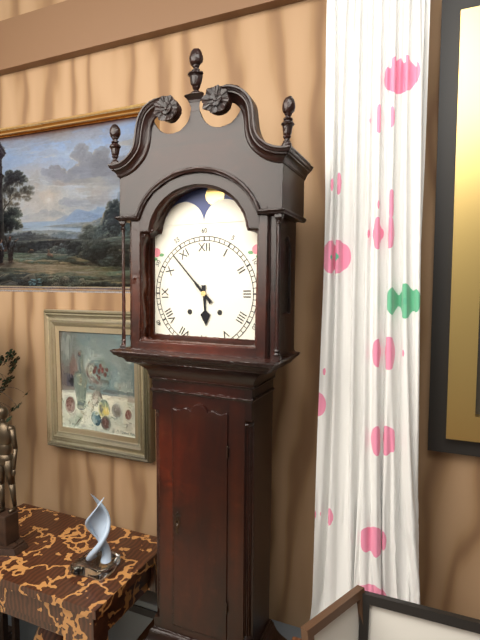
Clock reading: 5h53
